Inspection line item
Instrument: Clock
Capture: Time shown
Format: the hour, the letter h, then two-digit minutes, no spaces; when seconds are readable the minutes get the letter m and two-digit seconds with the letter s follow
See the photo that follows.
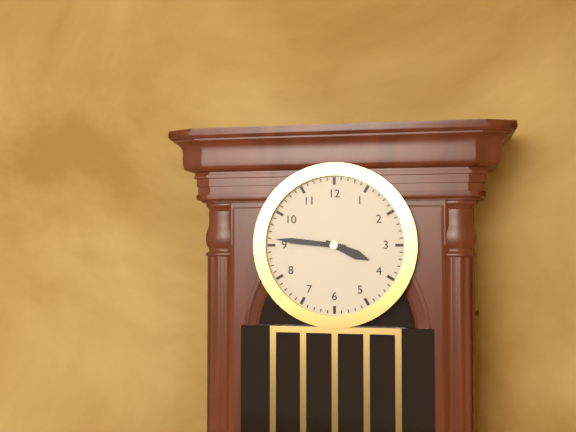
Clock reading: 3h46
